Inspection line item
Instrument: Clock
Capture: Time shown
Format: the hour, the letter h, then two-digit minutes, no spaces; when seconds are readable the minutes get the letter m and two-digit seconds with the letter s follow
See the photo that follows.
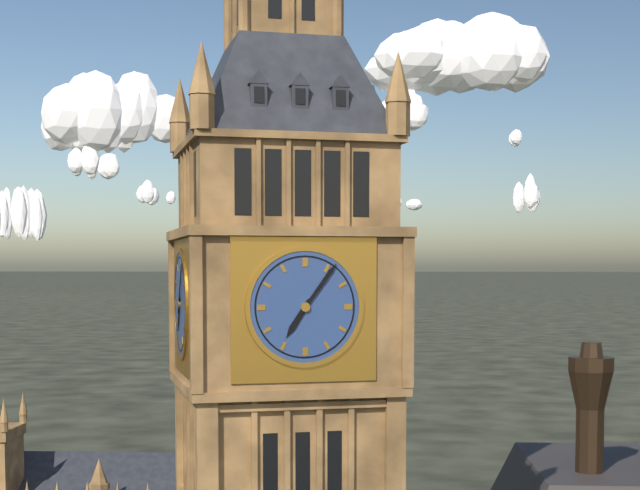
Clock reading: 7h06
